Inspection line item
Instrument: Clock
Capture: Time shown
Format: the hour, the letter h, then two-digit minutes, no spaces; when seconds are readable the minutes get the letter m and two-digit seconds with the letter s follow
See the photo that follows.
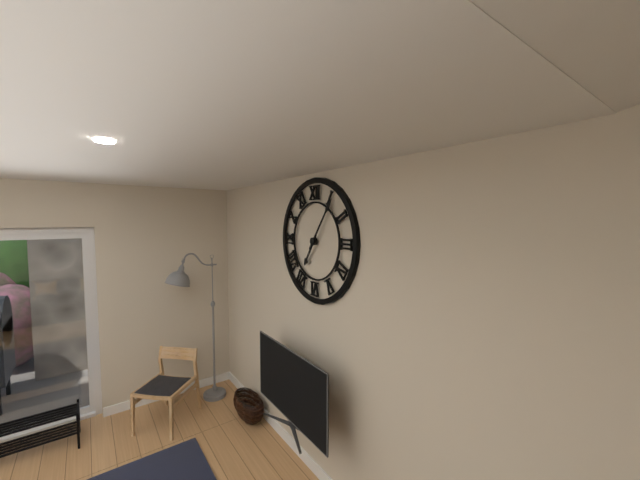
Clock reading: 7h06
